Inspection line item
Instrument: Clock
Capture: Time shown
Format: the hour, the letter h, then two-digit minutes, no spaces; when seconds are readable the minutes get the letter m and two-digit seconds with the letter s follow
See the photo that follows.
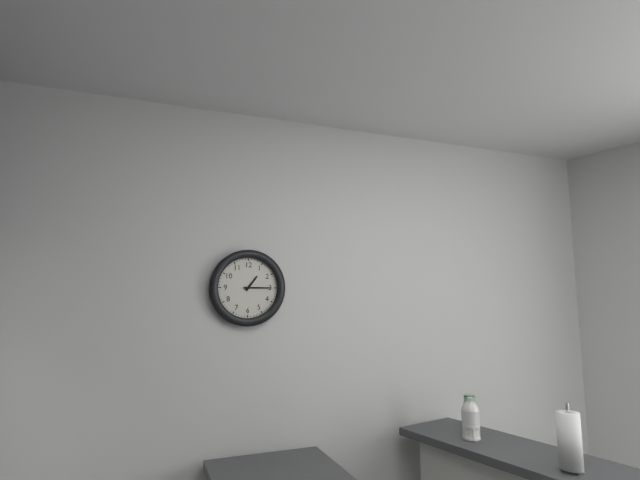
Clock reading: 1h15
